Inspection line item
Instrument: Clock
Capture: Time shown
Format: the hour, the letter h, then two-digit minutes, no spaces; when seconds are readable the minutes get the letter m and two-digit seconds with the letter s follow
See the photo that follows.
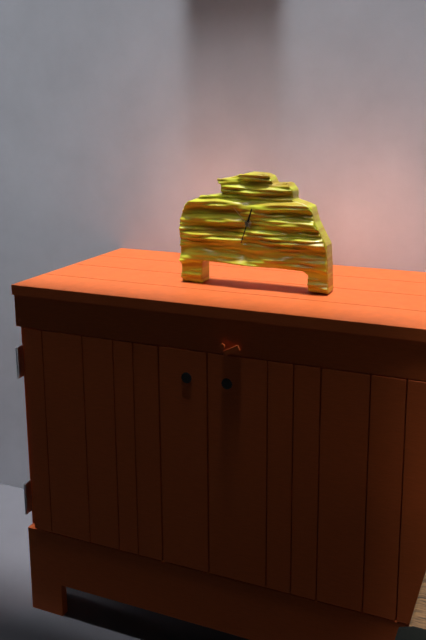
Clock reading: 12h33
